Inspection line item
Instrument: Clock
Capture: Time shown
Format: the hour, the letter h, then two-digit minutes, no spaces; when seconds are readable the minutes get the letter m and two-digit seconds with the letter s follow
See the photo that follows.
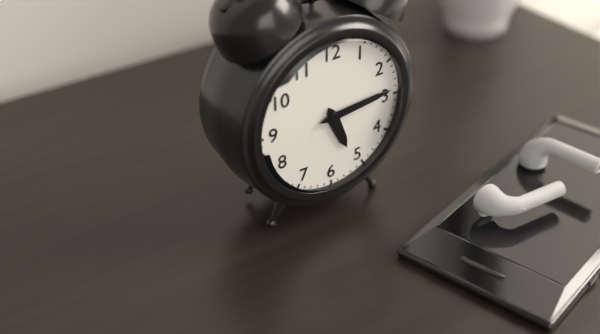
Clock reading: 5h14
